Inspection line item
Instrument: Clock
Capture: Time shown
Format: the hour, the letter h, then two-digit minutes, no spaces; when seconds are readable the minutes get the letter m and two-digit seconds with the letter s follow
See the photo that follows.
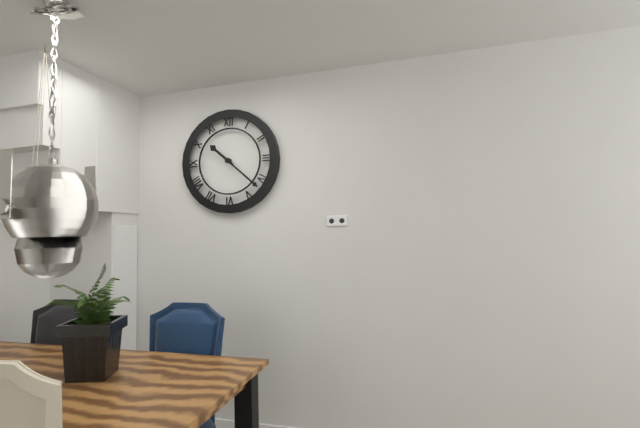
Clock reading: 10h22
